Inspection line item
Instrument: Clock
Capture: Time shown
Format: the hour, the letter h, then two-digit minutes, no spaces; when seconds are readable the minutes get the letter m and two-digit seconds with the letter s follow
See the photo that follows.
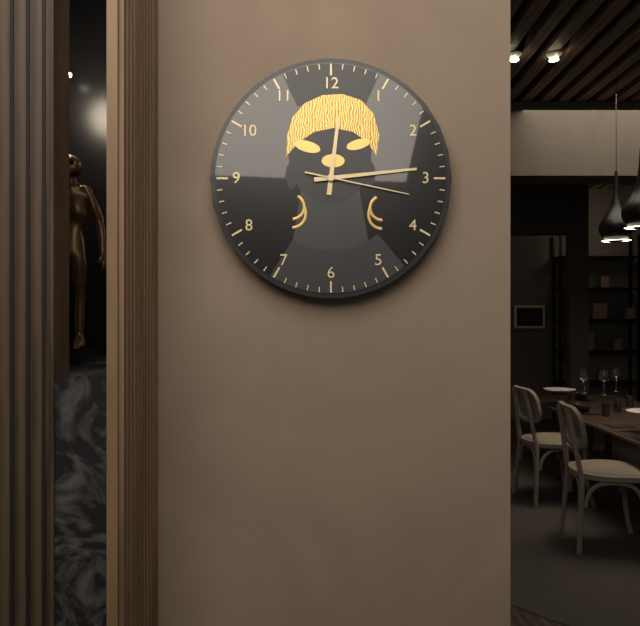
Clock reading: 12h14m17s
